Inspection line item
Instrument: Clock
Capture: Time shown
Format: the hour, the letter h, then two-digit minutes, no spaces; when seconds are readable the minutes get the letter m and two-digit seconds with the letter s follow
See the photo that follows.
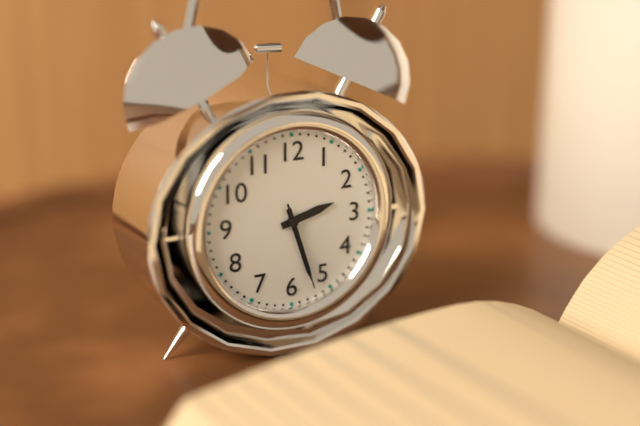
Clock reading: 2h27m27s
